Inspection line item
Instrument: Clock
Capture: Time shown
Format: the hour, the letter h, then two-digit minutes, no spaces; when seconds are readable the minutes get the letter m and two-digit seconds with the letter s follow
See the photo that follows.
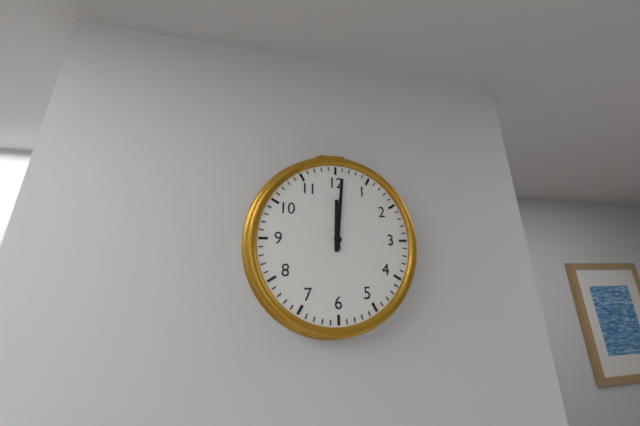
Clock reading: 12h01
